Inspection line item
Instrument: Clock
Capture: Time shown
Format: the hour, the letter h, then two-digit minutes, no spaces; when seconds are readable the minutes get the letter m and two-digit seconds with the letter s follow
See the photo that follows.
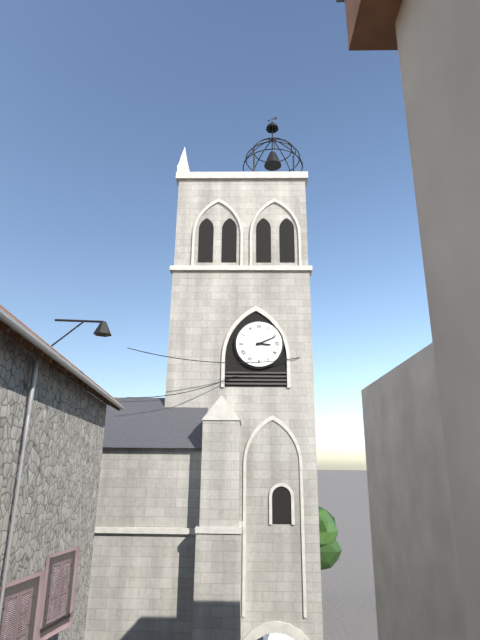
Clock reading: 3h11
